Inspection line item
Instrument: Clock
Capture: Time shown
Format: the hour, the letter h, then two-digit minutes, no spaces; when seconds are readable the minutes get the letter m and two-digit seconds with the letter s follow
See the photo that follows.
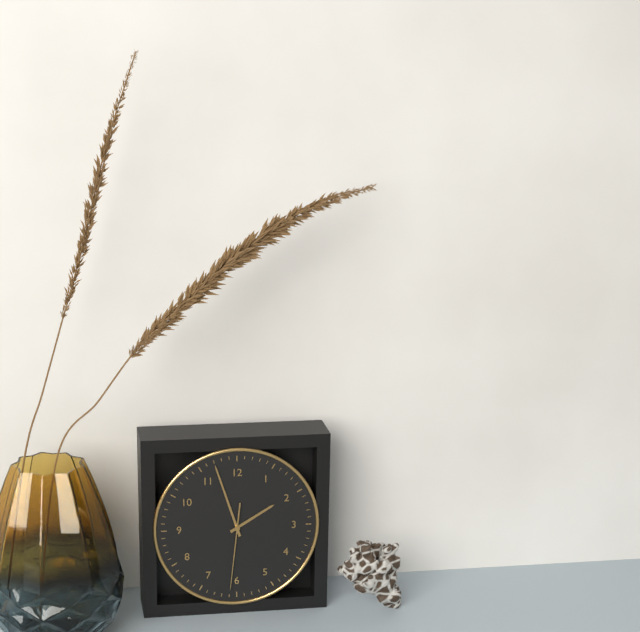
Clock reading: 1h57m31s
